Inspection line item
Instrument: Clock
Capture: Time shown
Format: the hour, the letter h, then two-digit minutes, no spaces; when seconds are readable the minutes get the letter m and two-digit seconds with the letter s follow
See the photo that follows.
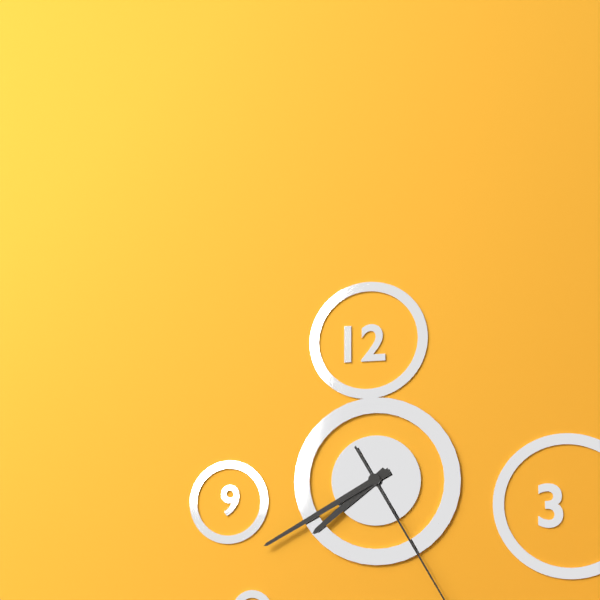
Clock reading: 7h40
